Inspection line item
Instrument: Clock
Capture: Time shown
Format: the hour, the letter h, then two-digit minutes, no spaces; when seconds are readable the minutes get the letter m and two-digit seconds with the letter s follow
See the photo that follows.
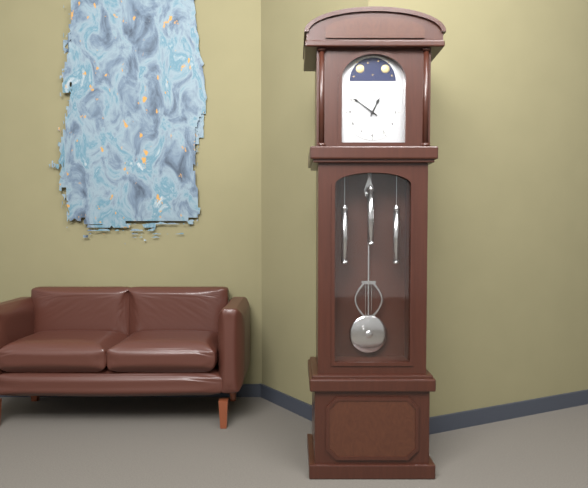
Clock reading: 12h51
